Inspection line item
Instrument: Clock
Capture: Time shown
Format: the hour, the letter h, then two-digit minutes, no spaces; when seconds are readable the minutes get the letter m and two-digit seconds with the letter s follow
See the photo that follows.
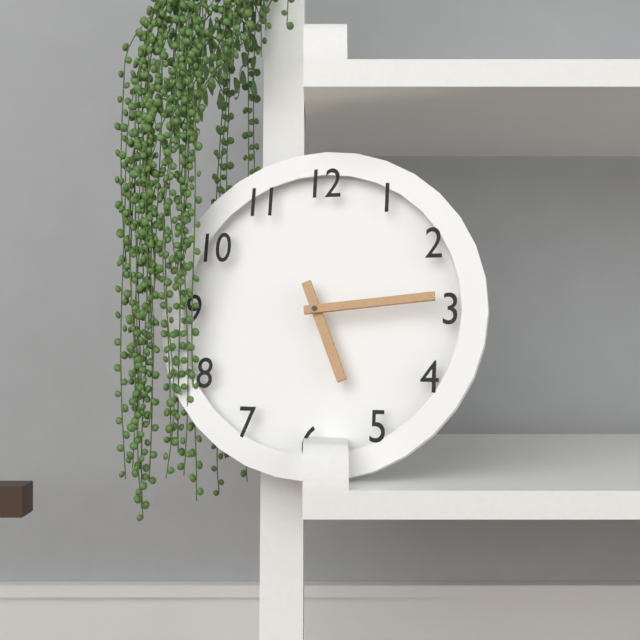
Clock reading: 5h14
